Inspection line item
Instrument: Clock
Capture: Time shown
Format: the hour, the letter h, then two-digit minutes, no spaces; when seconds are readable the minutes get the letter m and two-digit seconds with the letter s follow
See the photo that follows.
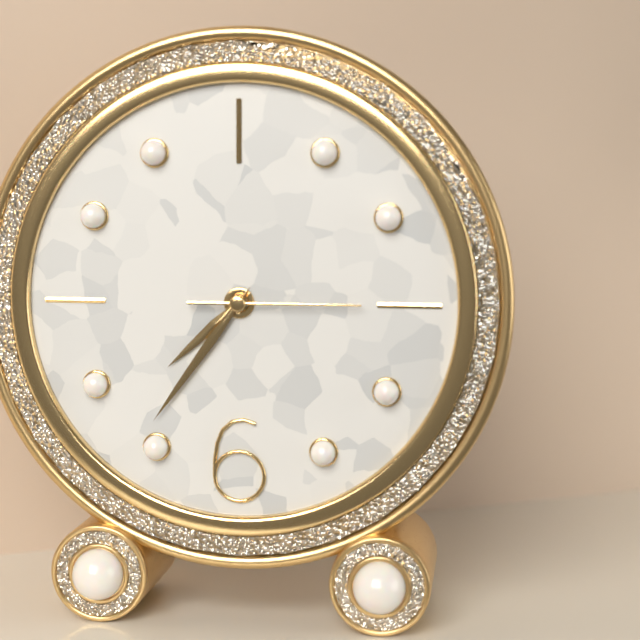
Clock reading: 7h36m15s
